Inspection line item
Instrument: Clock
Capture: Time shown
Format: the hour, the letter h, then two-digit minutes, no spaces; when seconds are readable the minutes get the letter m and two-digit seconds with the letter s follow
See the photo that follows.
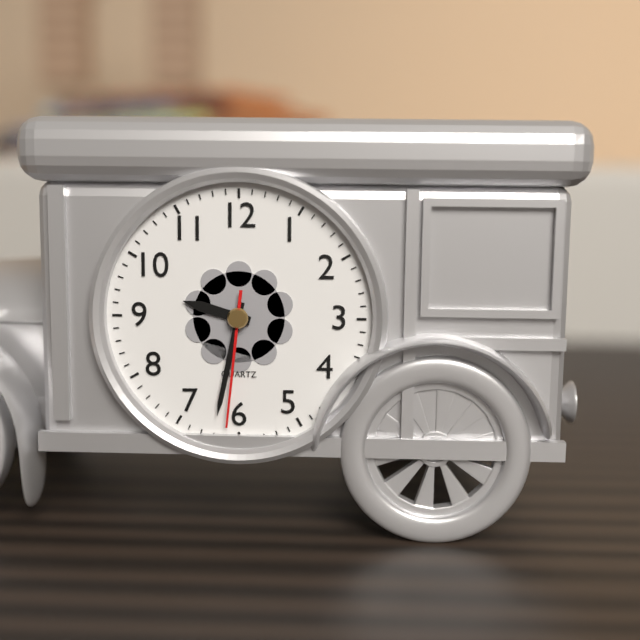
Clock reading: 9h32m31s
